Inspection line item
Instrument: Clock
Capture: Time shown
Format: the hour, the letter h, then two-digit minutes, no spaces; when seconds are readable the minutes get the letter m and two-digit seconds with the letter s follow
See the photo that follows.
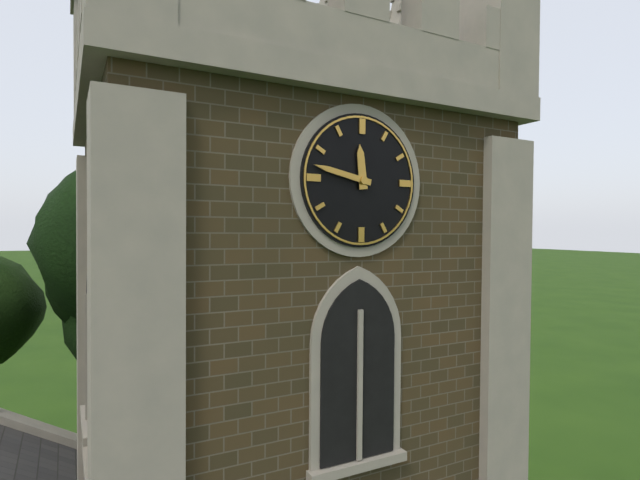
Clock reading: 11h47
